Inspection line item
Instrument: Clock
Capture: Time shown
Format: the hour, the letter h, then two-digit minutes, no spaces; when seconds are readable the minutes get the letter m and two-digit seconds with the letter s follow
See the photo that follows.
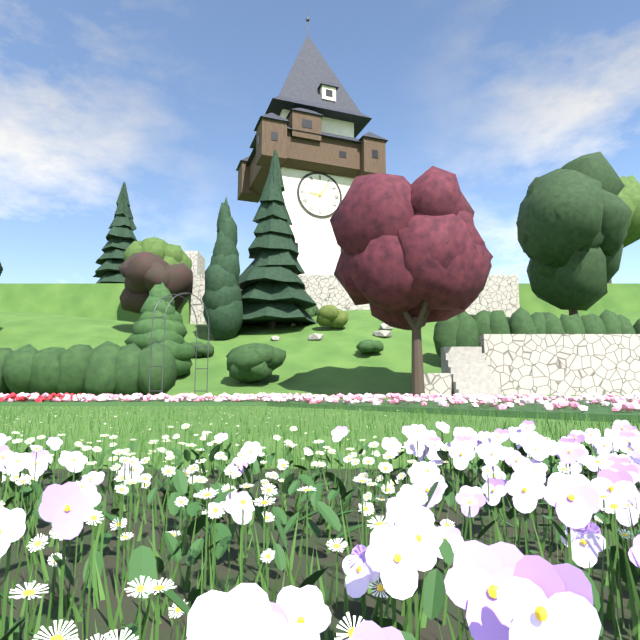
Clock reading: 9h06
